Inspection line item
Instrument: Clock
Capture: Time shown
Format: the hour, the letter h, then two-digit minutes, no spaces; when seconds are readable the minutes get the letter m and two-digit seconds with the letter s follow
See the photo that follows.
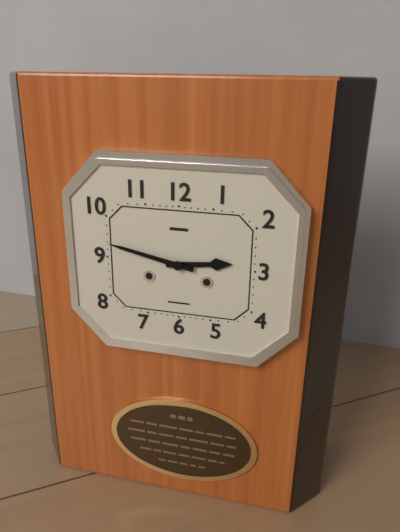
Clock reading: 2h47
